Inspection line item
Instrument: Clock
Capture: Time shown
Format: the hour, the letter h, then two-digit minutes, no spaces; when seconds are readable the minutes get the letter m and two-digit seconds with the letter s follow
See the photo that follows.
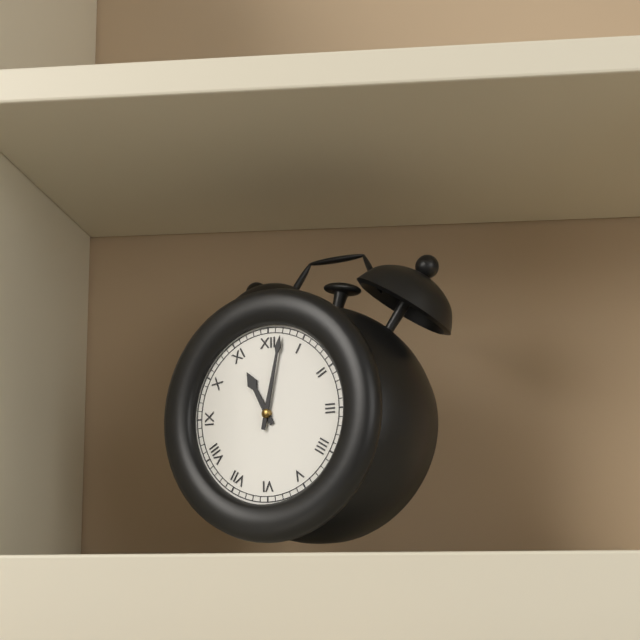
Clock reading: 11h02
